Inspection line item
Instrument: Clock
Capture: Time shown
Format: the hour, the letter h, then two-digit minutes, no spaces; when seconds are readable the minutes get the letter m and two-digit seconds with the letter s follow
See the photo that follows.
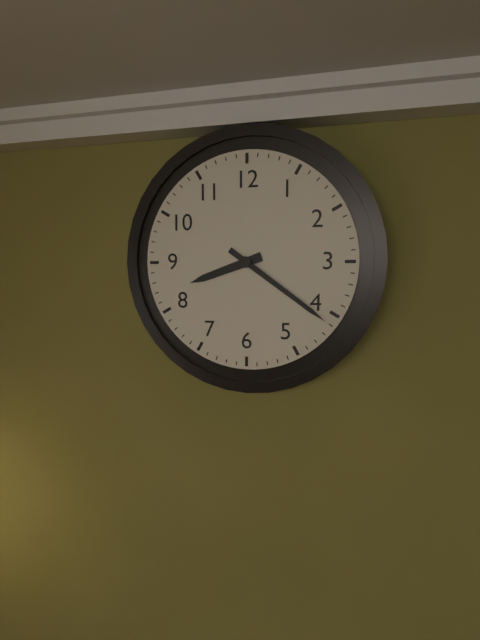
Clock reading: 8h21
